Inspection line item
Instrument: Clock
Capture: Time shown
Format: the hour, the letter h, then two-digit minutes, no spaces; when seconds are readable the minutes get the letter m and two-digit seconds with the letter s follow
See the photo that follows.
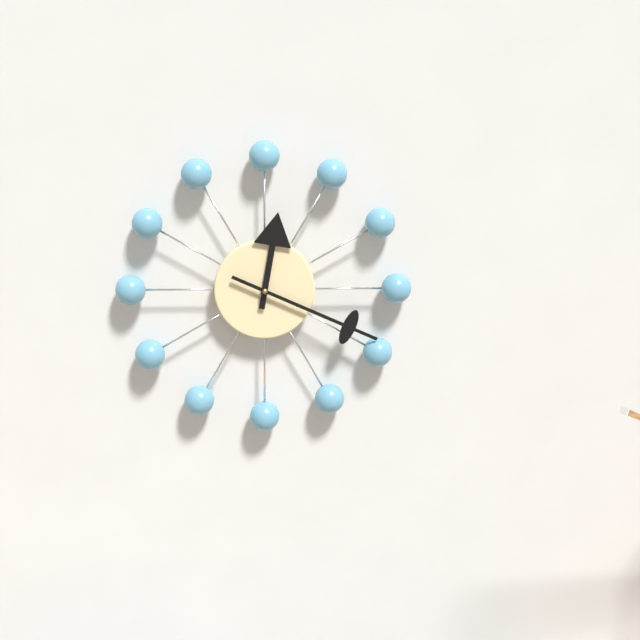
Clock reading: 12h19
